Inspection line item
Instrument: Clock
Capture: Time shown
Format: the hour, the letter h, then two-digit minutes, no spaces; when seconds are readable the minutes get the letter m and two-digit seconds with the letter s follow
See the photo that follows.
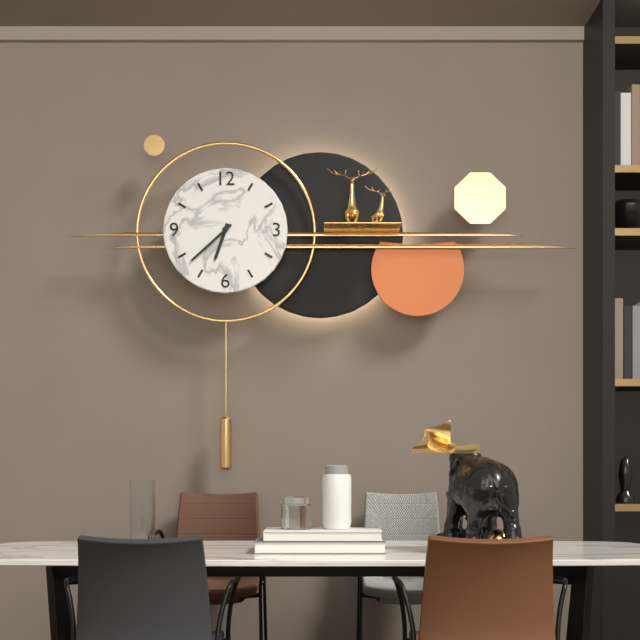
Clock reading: 6h38
